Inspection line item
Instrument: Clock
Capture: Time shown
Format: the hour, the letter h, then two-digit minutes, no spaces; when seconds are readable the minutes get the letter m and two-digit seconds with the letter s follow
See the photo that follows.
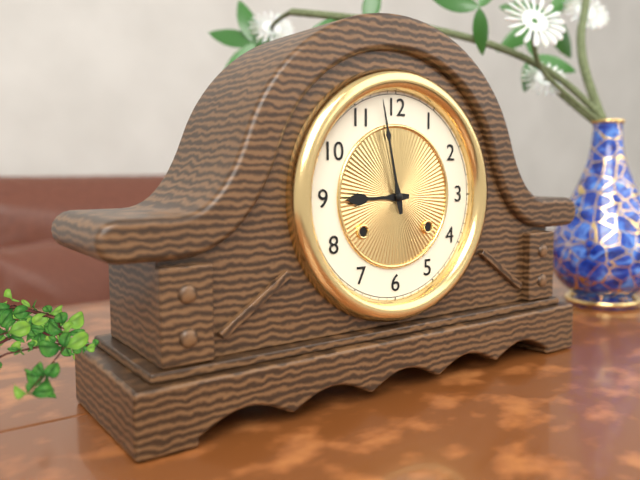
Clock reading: 8h58
